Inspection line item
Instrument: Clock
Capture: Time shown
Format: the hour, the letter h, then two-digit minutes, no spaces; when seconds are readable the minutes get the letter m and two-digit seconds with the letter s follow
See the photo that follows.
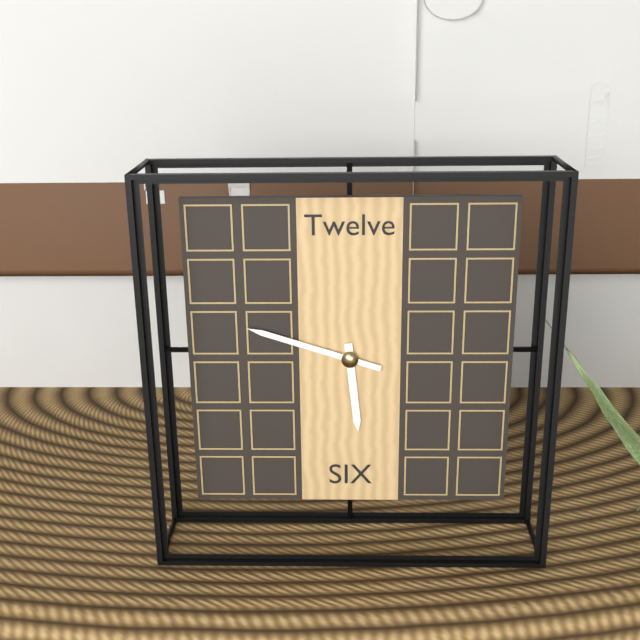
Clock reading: 5h48
